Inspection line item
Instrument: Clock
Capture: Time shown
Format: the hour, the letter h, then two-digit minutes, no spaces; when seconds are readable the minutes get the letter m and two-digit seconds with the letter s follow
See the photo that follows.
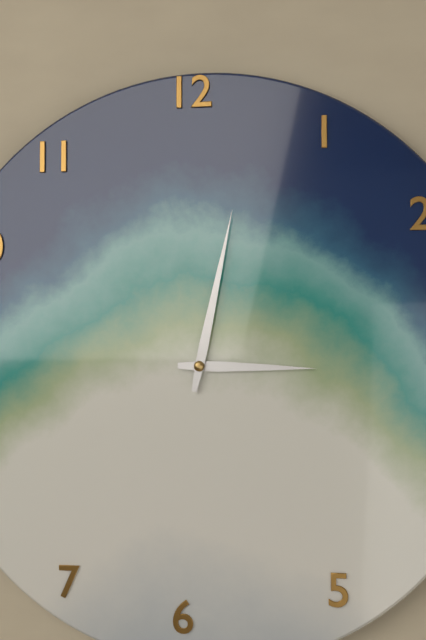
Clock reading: 3h02
